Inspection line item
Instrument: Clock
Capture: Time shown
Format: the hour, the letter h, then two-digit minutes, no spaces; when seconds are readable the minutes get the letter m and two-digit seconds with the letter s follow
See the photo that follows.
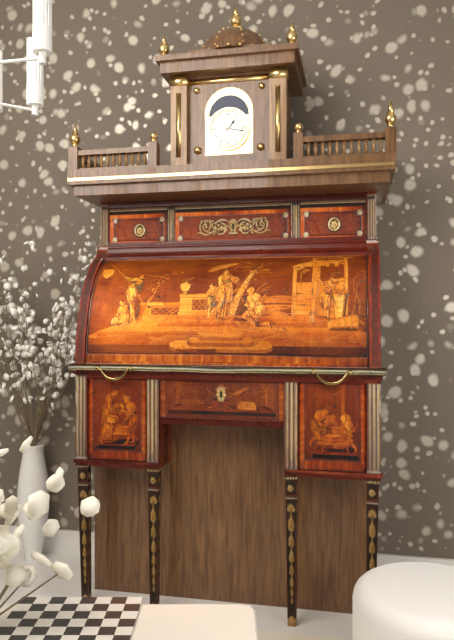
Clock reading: 1h17
